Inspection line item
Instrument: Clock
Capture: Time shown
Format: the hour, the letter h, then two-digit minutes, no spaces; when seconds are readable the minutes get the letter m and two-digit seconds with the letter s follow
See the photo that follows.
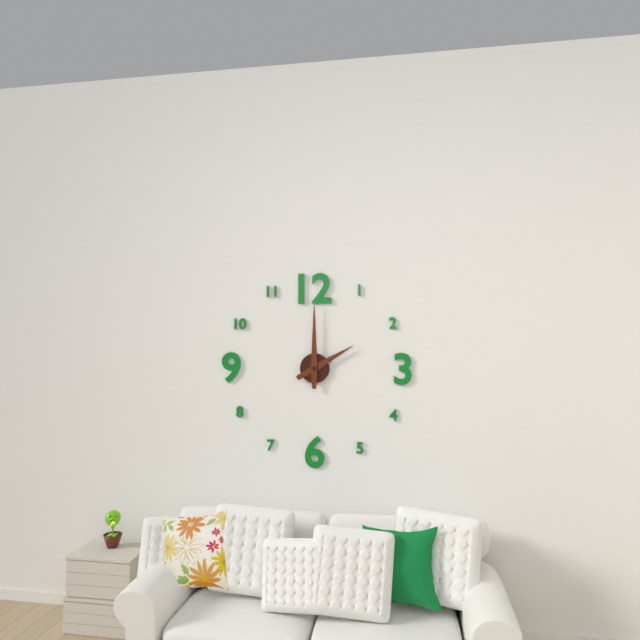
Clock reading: 2h00
